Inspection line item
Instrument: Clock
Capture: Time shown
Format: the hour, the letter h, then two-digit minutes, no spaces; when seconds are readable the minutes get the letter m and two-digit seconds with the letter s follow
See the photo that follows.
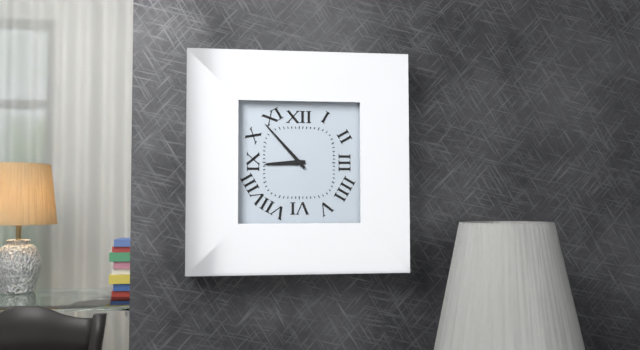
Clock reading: 8h53
